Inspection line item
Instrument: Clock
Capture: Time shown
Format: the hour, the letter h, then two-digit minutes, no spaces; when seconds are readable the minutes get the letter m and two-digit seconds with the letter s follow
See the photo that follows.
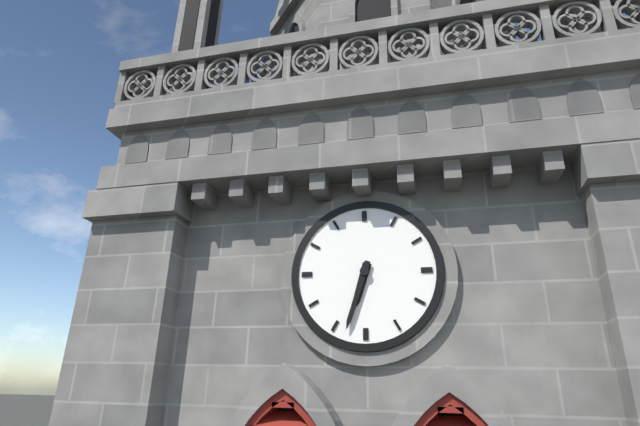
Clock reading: 6h33
